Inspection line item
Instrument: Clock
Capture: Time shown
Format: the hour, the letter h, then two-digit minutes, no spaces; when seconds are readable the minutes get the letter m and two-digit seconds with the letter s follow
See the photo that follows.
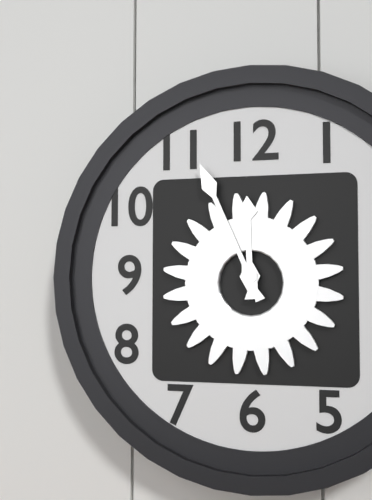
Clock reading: 11h56
